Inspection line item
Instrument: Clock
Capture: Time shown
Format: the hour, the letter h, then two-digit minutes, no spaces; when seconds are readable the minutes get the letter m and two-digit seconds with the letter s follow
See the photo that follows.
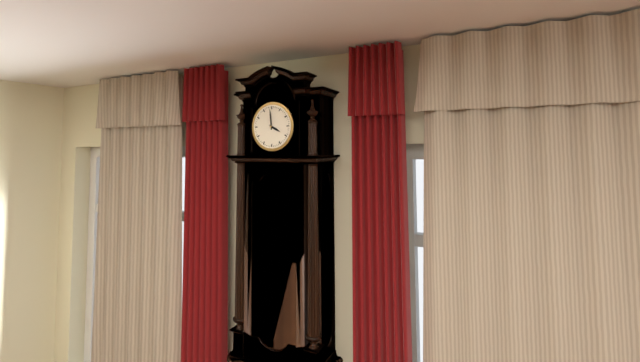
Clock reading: 3h59
